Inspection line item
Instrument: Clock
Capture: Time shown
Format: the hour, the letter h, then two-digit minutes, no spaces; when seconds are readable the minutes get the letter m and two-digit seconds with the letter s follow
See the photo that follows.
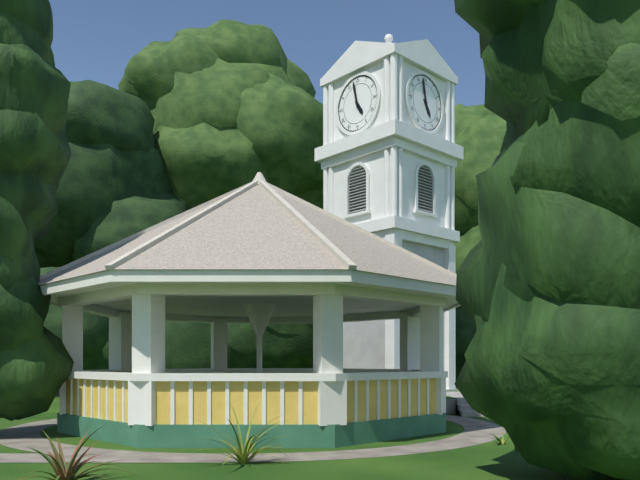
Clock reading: 4h58
